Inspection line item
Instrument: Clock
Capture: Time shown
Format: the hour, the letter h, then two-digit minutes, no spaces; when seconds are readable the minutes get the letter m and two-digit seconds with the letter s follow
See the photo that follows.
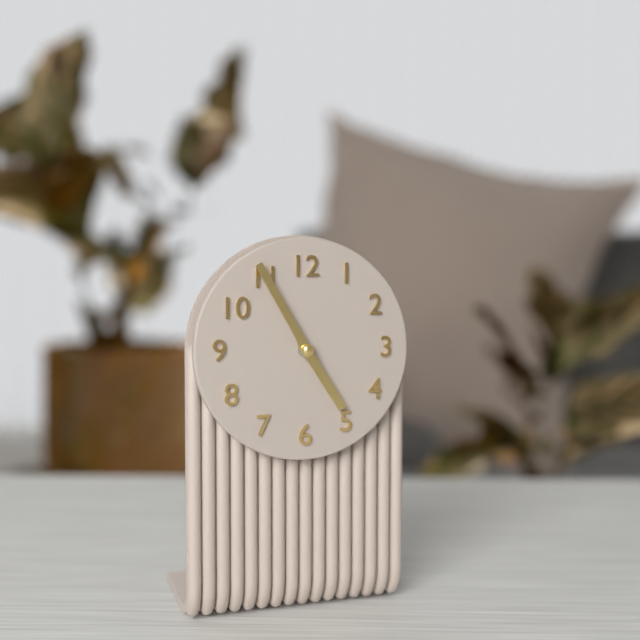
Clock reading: 4h55
